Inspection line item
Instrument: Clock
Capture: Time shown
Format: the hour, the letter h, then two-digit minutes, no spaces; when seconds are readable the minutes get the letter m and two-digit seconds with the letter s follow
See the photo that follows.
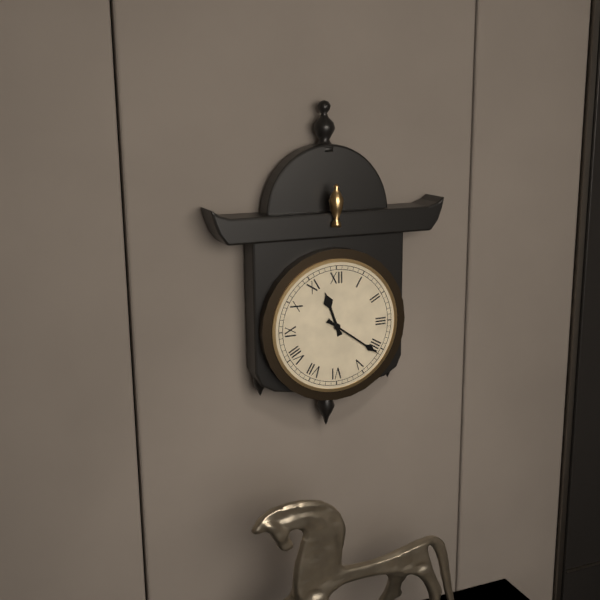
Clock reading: 11h21
